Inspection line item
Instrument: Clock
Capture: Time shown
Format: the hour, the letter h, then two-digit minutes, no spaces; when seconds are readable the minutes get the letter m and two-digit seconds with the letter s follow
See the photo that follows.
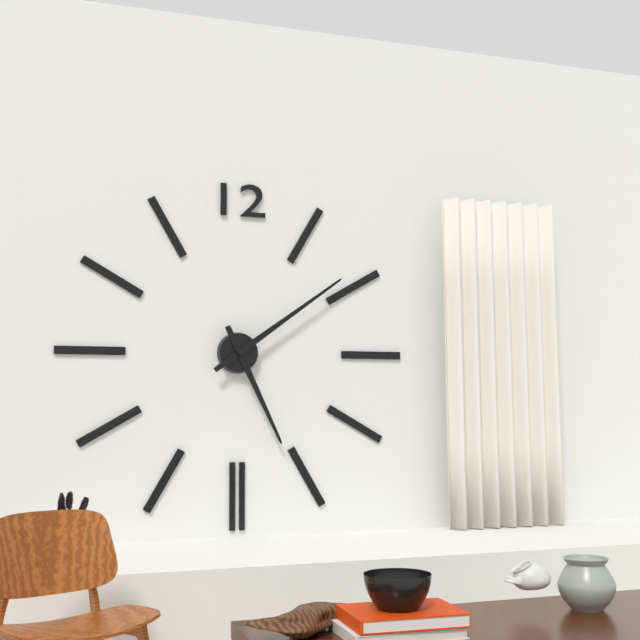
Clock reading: 5h09
